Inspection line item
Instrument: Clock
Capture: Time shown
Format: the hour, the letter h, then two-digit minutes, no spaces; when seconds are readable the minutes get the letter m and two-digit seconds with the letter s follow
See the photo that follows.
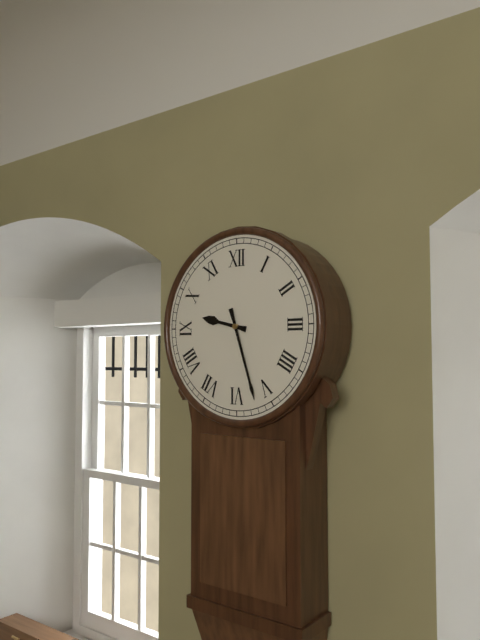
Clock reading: 9h27
